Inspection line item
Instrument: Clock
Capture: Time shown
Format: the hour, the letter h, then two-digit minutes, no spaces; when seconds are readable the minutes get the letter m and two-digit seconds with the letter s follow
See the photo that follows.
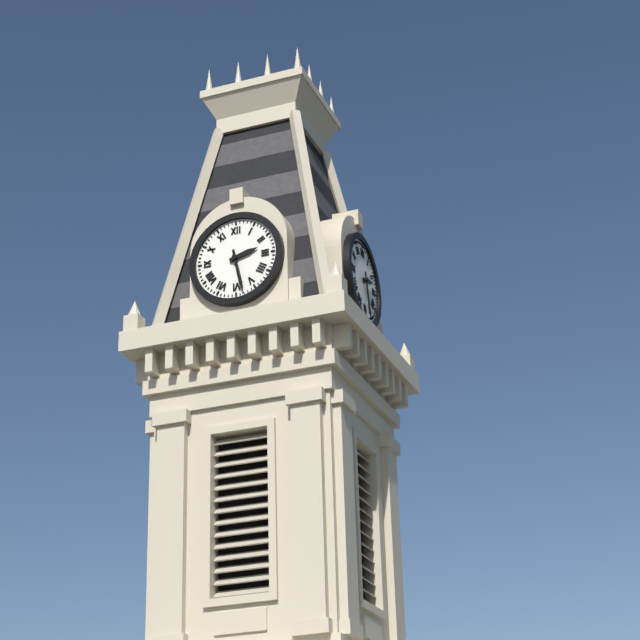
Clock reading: 2h28
